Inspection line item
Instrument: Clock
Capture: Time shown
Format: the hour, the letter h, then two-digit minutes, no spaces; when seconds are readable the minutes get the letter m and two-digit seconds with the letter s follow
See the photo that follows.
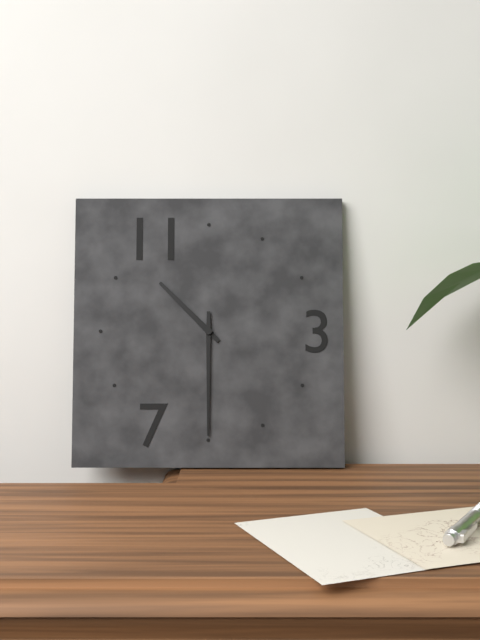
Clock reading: 10h30
